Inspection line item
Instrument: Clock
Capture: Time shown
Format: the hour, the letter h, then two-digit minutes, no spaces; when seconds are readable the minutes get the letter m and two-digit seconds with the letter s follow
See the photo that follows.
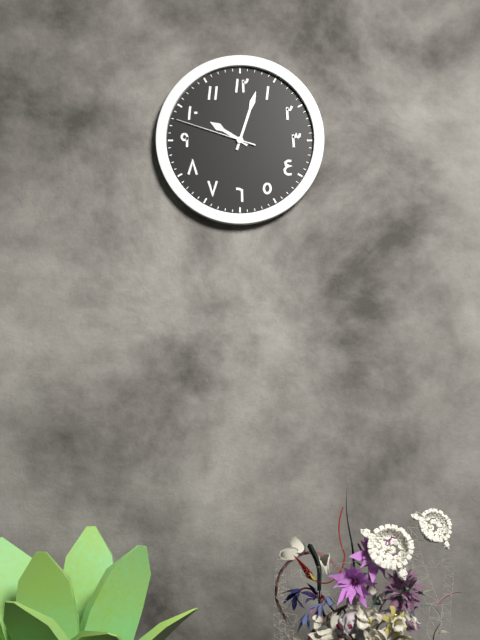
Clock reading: 10h03m48s
